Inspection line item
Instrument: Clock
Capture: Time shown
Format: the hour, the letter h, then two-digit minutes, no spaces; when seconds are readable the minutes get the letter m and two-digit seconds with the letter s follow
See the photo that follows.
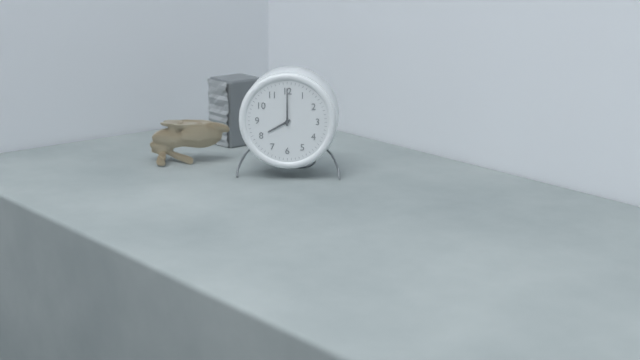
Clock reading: 8h00
